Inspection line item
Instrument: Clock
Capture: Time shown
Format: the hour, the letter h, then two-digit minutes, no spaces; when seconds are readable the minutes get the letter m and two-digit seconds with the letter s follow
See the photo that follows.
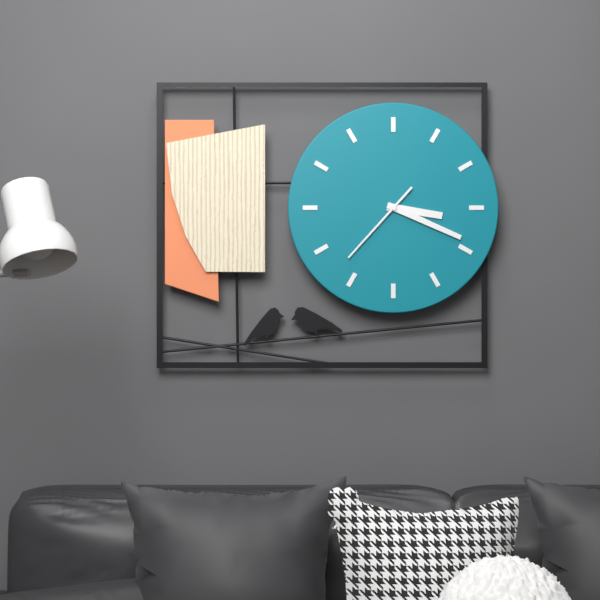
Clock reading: 3h19m37s
